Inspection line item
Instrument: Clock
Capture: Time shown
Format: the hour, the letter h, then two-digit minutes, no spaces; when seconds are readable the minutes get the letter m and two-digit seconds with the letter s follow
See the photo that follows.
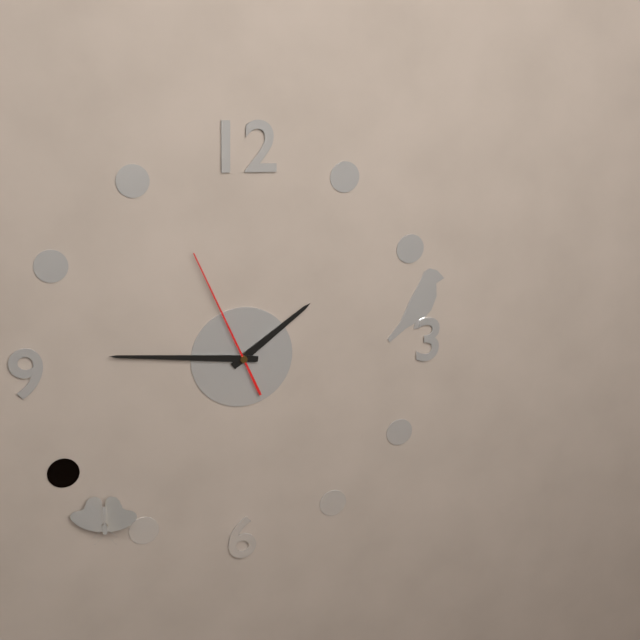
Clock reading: 1h46m56s
